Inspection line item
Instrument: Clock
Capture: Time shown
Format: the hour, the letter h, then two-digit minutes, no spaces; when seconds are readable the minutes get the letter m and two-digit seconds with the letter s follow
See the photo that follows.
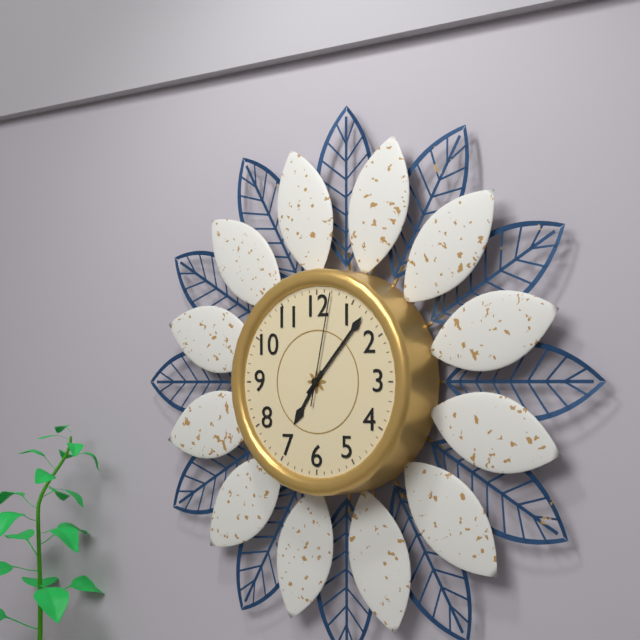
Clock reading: 7h07m02s
